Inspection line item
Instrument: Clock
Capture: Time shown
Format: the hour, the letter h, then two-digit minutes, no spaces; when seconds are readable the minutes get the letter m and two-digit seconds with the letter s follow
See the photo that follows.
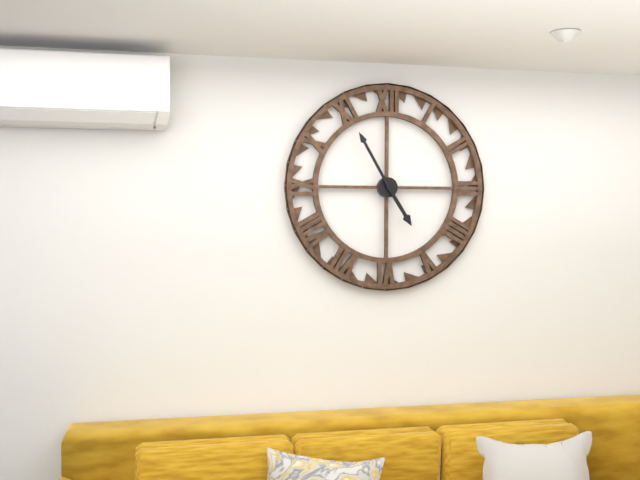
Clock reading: 4h55
